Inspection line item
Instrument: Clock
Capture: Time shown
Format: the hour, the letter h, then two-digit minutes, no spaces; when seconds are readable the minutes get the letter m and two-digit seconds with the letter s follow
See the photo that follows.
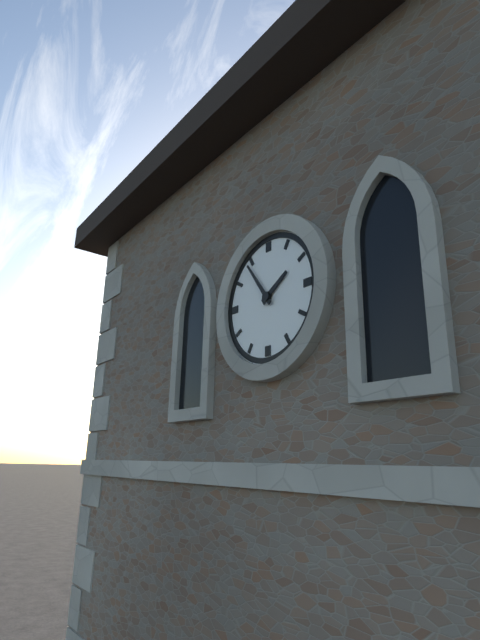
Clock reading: 1h54
